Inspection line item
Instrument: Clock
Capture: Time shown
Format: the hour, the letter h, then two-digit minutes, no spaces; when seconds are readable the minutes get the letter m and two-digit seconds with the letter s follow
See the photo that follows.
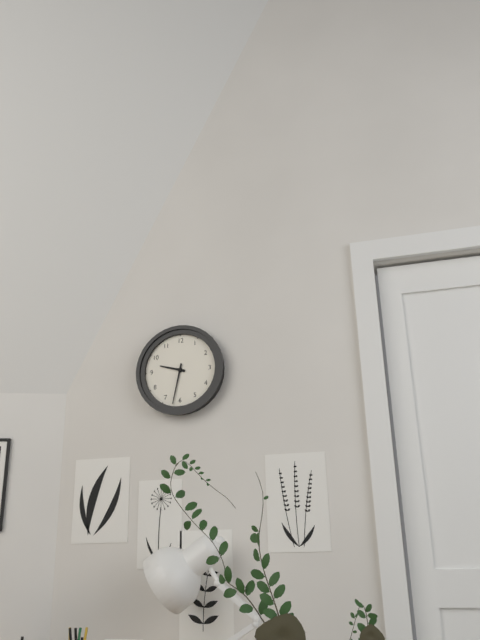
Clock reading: 9h32
